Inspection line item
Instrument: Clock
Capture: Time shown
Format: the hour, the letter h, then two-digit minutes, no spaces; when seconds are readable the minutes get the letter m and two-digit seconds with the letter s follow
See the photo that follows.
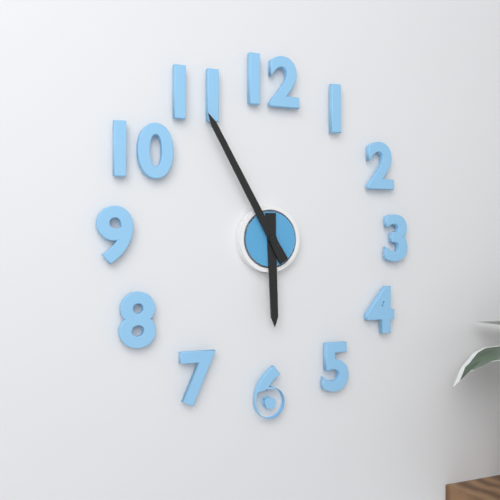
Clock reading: 5h55
